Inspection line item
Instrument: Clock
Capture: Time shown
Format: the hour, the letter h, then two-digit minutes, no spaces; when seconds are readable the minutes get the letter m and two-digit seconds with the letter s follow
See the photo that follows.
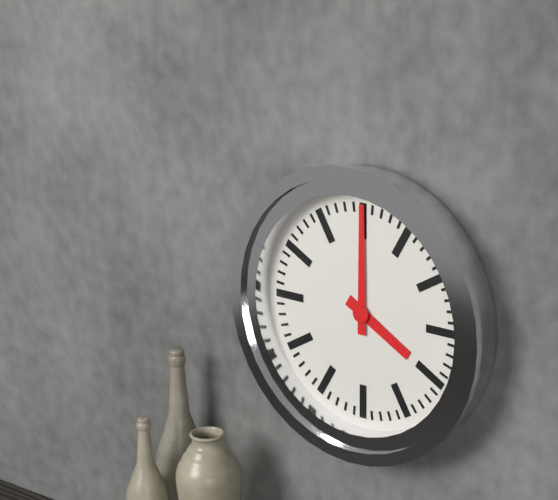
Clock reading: 4h00
